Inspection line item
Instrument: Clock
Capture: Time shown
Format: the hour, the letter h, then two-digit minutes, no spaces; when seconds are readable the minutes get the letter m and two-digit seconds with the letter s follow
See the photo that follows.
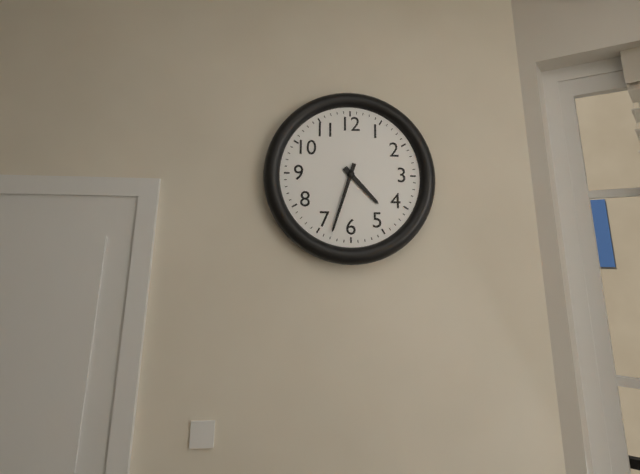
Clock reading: 4h33
